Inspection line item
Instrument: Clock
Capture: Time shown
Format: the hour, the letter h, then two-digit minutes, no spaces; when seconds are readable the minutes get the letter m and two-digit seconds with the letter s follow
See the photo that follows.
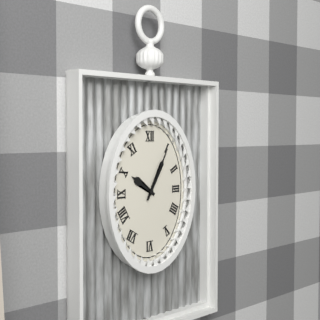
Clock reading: 10h05
